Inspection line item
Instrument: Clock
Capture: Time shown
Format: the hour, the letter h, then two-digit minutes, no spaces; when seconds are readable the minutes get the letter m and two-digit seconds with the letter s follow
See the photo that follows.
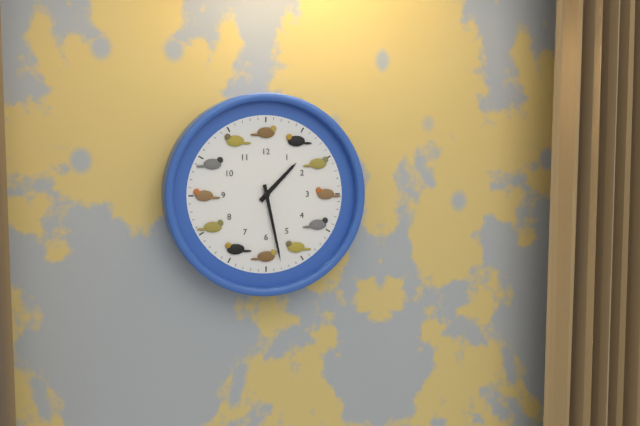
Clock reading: 1h28
